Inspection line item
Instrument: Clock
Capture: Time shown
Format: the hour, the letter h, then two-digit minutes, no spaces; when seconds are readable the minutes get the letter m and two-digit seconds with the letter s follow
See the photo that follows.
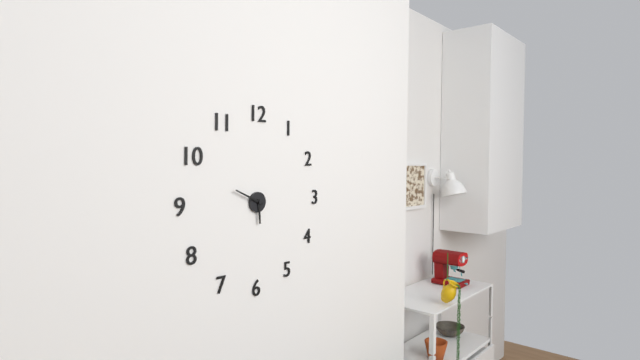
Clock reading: 5h49
